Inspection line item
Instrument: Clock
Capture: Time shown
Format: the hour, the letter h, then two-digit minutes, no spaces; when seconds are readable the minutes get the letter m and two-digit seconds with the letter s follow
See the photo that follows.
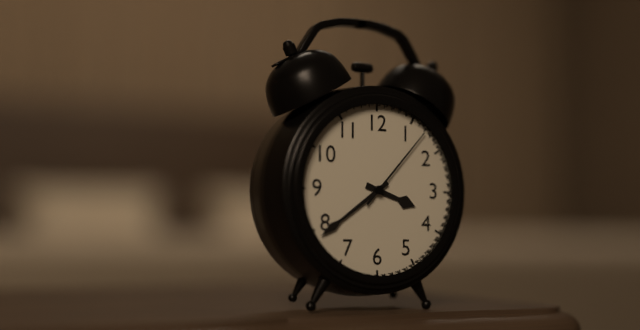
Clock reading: 3h39m07s
